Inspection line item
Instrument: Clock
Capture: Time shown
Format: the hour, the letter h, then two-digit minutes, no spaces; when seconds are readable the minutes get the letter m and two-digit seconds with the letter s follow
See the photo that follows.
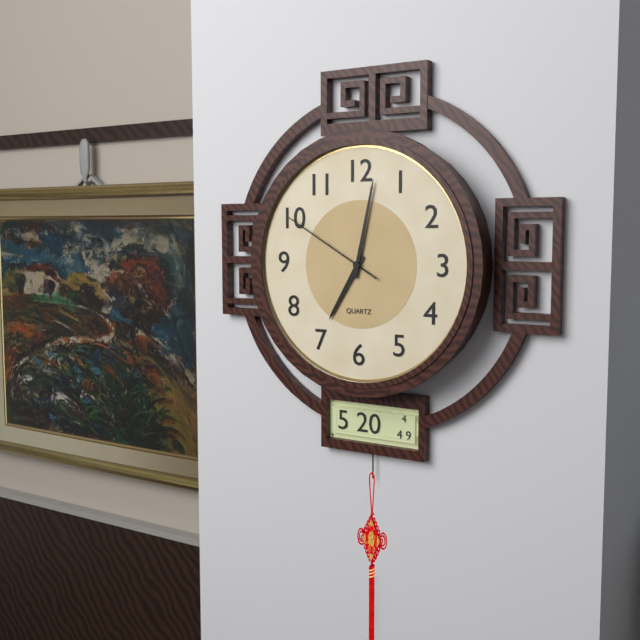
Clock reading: 7h02m50s
